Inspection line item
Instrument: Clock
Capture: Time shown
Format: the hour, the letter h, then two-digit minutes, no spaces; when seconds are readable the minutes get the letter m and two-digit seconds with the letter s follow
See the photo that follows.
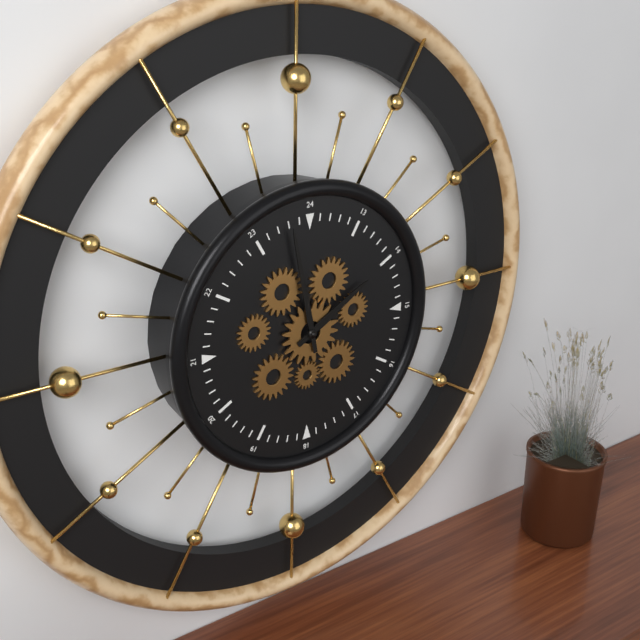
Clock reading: 1h58
